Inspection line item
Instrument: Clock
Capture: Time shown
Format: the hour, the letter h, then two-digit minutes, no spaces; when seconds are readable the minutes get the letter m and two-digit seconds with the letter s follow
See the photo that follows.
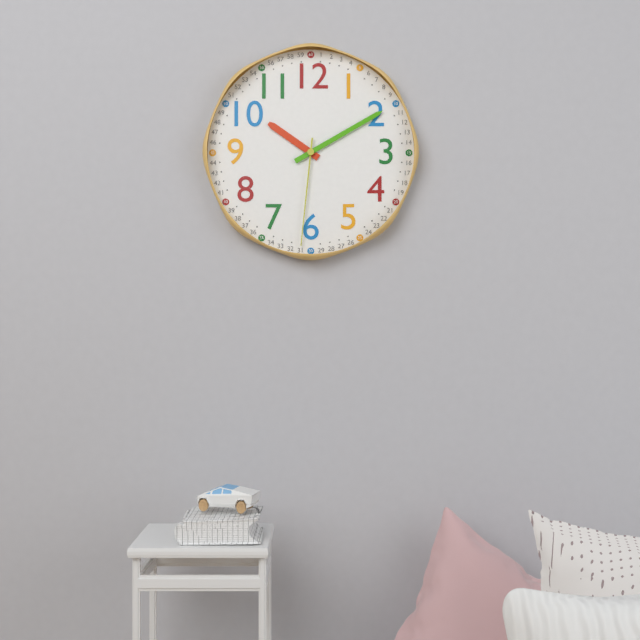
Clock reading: 10h10m31s
